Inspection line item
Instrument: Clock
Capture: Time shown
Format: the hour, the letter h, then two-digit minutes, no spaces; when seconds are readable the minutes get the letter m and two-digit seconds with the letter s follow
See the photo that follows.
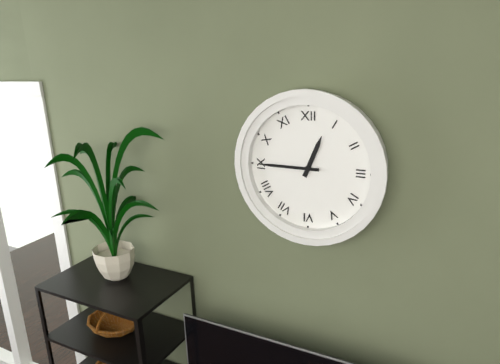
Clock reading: 12h45
